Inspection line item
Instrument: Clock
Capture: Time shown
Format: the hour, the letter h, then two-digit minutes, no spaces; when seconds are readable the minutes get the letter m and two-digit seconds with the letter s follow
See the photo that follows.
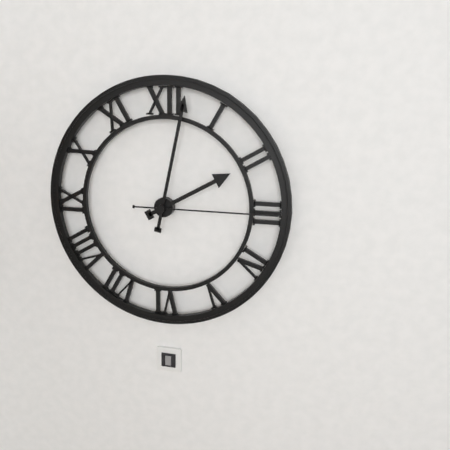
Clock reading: 2h02m15s
